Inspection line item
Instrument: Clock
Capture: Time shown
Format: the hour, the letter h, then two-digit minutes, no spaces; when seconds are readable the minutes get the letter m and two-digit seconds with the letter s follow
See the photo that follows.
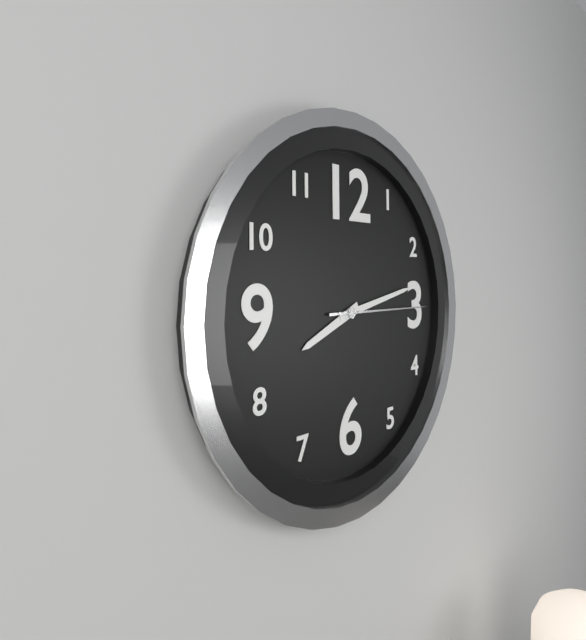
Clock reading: 8h13m15s
